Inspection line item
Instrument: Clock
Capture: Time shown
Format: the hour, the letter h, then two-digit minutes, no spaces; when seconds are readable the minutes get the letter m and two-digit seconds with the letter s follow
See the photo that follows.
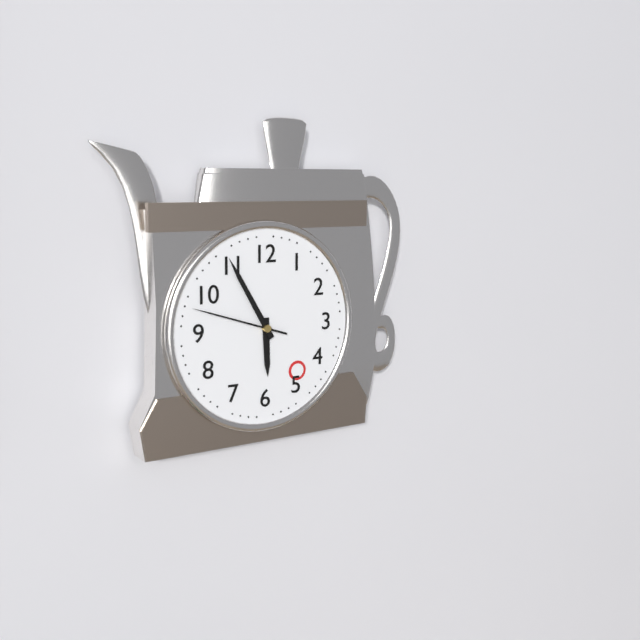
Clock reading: 5h55m48s
